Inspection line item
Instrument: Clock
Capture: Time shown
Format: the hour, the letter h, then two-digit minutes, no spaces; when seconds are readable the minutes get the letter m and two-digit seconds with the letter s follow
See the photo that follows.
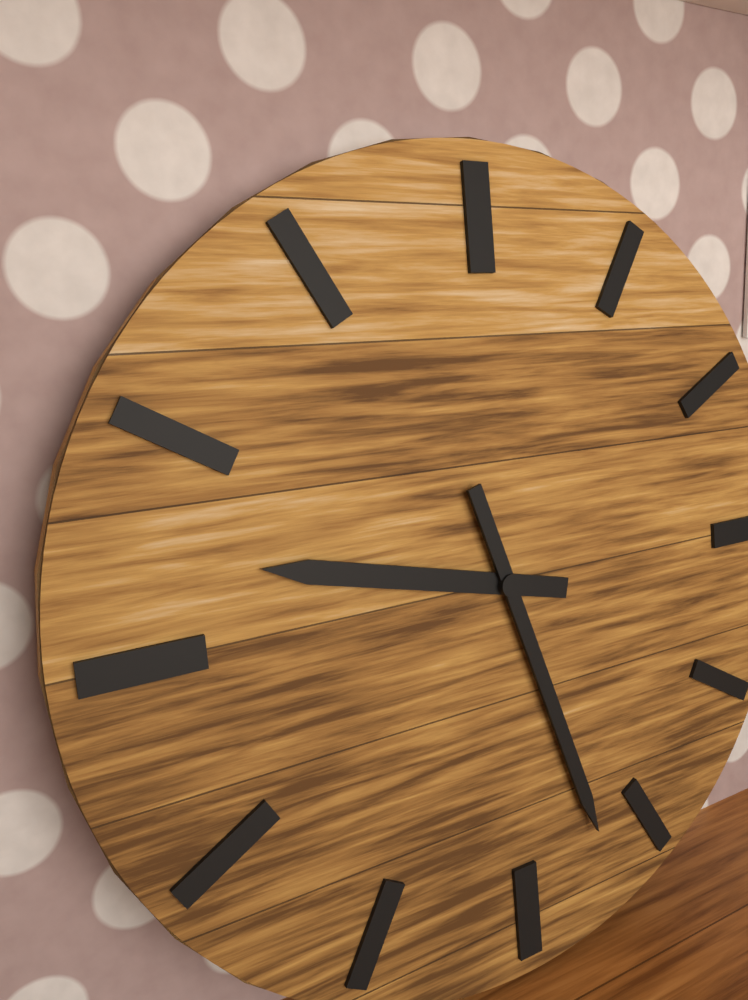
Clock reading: 9h27
